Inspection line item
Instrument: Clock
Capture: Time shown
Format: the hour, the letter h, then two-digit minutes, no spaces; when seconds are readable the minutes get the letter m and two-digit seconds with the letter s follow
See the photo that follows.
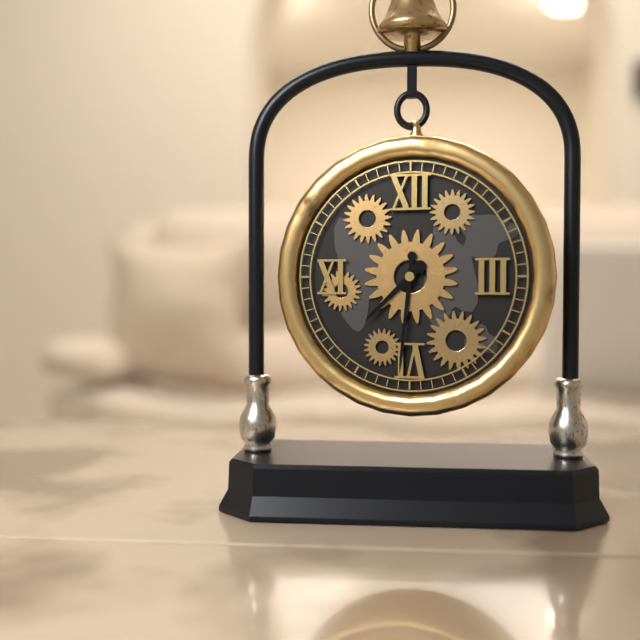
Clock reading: 7h31
